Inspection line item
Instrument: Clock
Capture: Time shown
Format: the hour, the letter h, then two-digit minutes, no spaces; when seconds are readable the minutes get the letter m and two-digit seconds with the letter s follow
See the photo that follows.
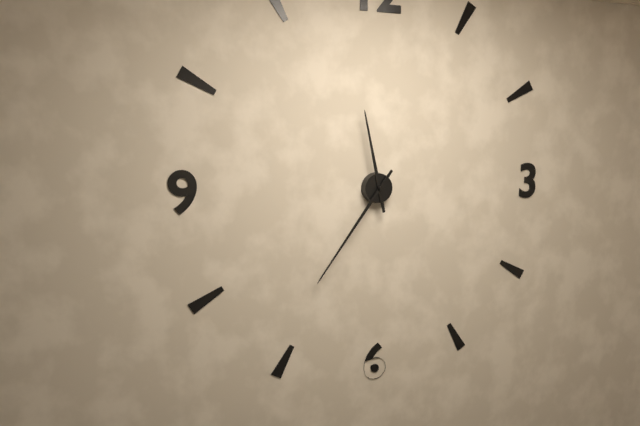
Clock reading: 11h36
